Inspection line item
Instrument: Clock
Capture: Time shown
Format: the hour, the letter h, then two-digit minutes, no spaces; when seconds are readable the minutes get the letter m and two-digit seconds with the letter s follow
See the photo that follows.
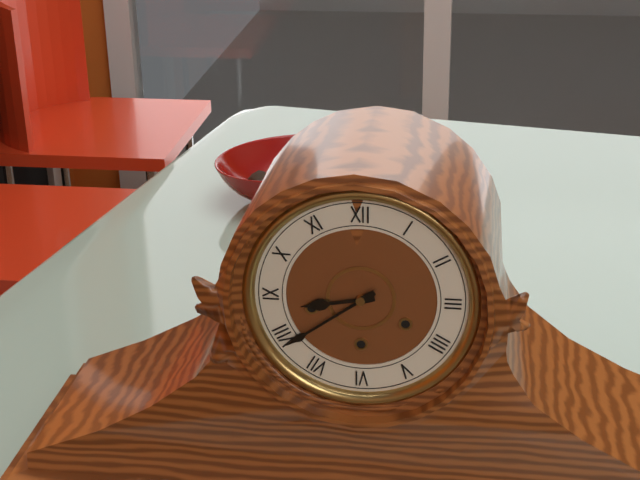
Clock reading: 8h39
